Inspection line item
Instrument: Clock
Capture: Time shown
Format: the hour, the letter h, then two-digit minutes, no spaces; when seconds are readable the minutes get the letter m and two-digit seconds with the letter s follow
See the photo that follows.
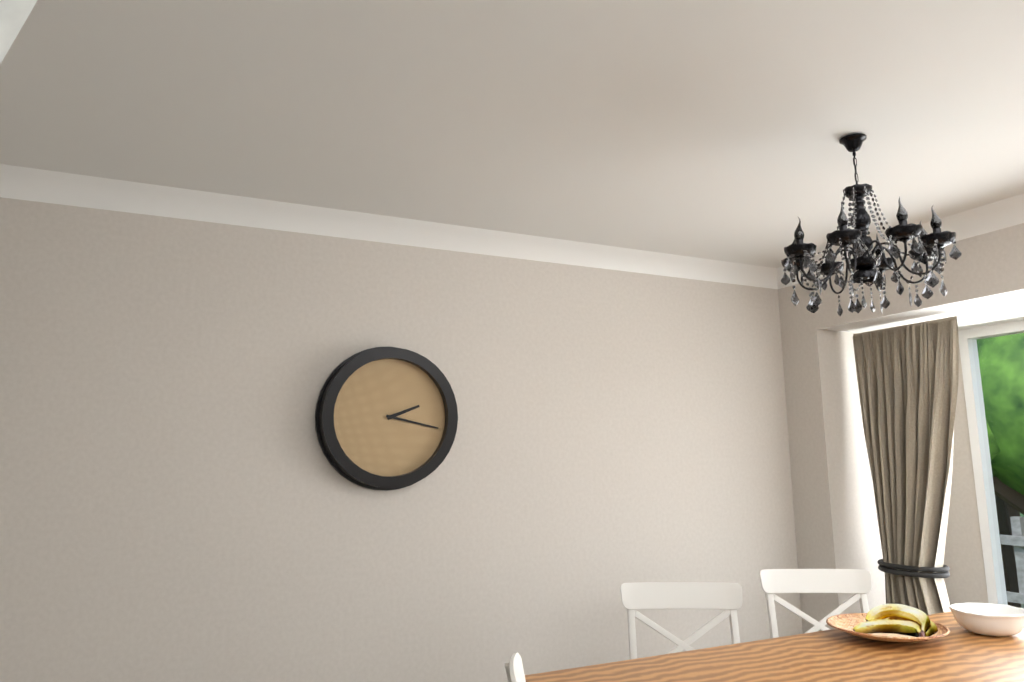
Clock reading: 2h17
